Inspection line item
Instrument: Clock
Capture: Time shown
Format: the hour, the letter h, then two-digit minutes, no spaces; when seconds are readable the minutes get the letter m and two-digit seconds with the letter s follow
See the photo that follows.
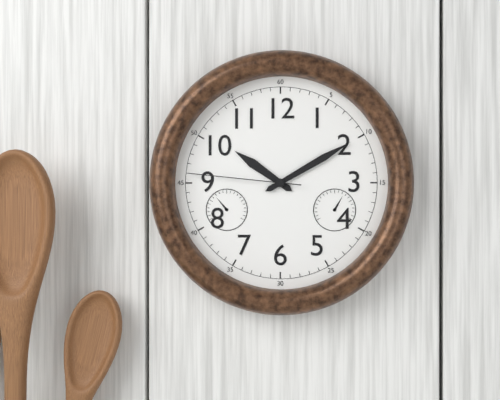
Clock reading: 10h10m46s
